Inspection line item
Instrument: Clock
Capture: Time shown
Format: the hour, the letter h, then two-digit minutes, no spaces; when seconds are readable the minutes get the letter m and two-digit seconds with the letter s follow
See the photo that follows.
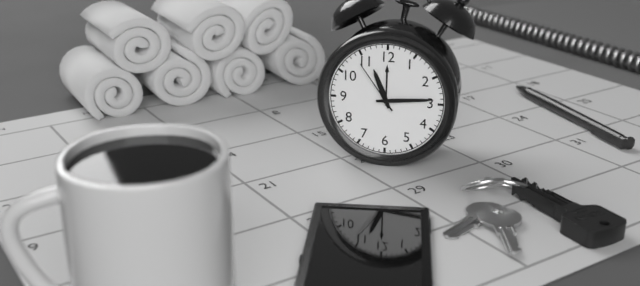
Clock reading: 11h14m54s
